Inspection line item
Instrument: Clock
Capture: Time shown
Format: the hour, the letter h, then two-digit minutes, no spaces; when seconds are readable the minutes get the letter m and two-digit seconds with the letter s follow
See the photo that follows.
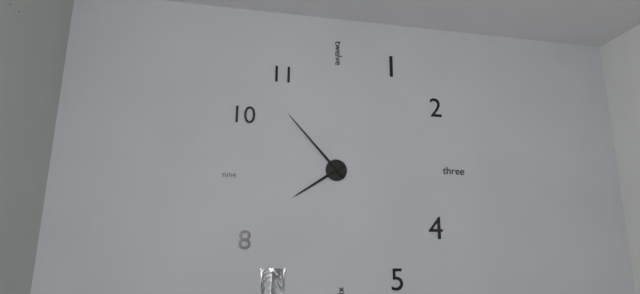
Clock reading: 7h53
